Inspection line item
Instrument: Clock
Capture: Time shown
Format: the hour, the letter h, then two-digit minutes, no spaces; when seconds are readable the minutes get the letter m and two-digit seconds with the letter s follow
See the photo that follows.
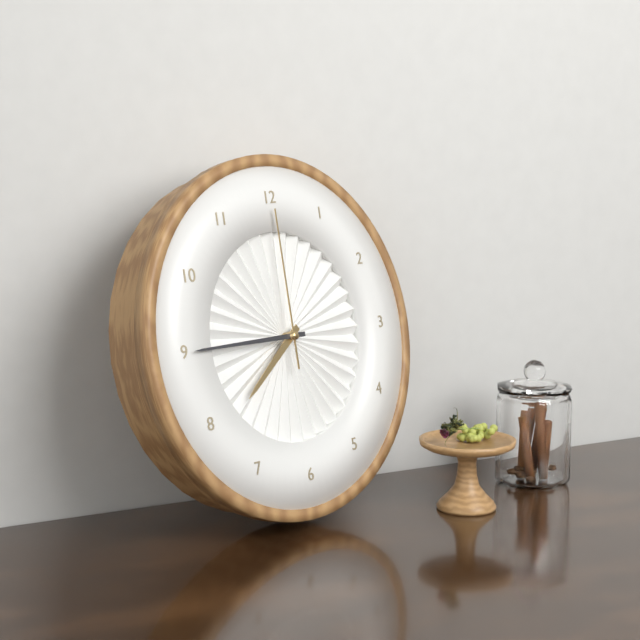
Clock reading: 7h45m00s
